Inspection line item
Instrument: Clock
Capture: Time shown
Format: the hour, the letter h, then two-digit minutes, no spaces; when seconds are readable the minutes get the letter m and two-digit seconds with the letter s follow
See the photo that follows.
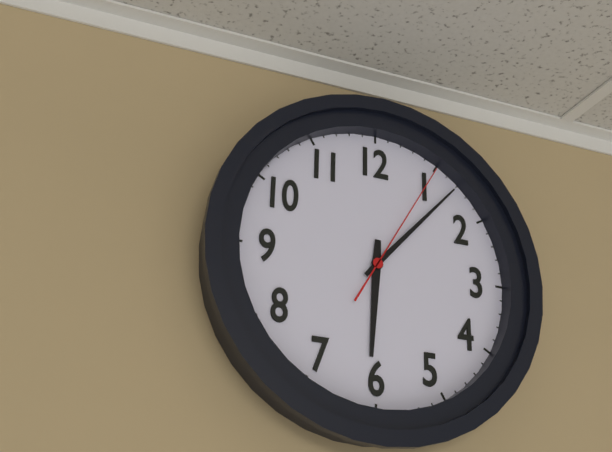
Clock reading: 6h07m05s
